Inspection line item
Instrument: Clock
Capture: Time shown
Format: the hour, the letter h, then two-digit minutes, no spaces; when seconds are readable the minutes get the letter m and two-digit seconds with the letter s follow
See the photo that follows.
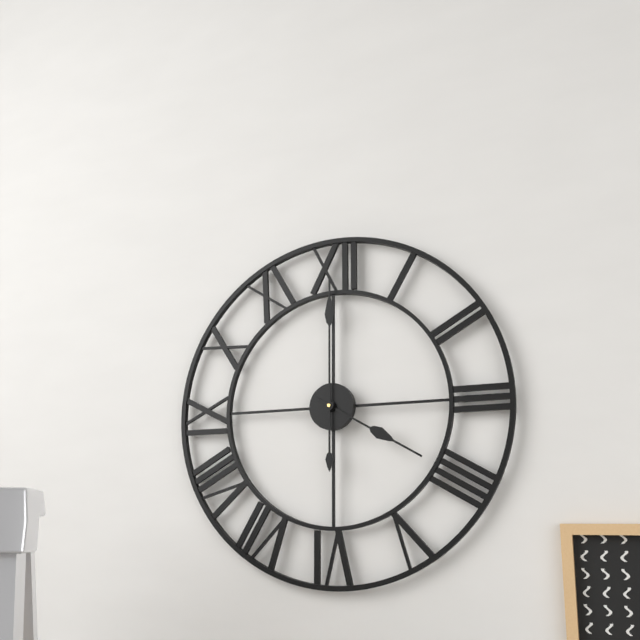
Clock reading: 4h00
